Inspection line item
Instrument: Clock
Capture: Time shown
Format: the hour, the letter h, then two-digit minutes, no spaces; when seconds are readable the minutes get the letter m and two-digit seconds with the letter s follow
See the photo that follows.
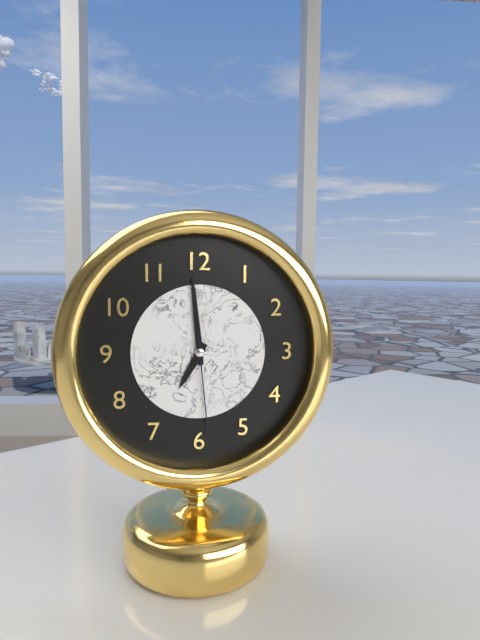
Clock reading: 6h59m29s
